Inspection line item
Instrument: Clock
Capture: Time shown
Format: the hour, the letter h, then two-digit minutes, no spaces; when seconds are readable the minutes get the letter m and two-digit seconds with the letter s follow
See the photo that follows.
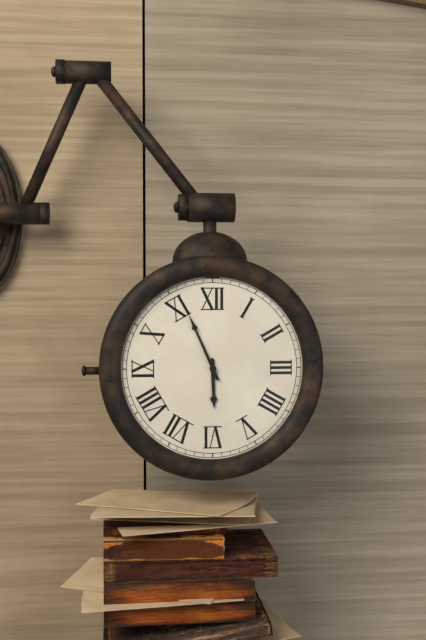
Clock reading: 5h56
